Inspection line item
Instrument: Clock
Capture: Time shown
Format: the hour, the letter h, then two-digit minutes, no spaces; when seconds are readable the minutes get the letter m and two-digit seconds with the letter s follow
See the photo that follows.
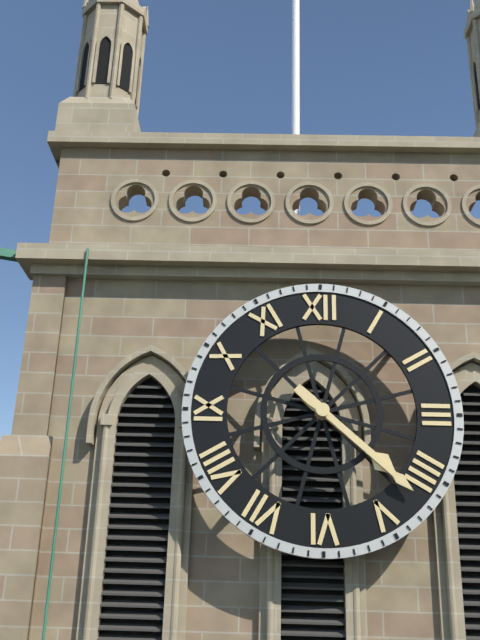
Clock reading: 4h22
